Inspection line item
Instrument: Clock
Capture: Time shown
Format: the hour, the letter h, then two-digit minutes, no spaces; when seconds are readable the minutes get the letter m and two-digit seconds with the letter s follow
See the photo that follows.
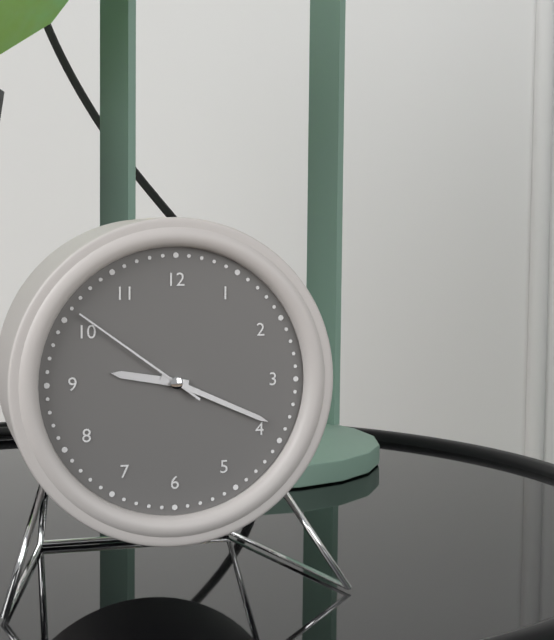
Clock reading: 9h19m51s
